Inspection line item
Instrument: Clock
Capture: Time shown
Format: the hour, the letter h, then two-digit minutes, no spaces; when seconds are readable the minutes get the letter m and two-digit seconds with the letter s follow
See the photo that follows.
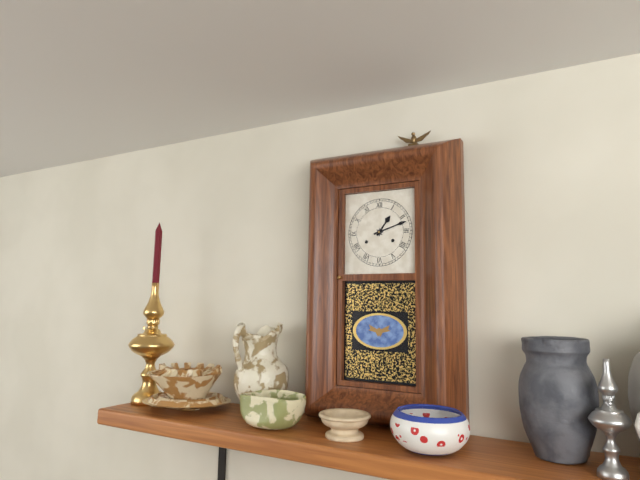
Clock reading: 1h12
